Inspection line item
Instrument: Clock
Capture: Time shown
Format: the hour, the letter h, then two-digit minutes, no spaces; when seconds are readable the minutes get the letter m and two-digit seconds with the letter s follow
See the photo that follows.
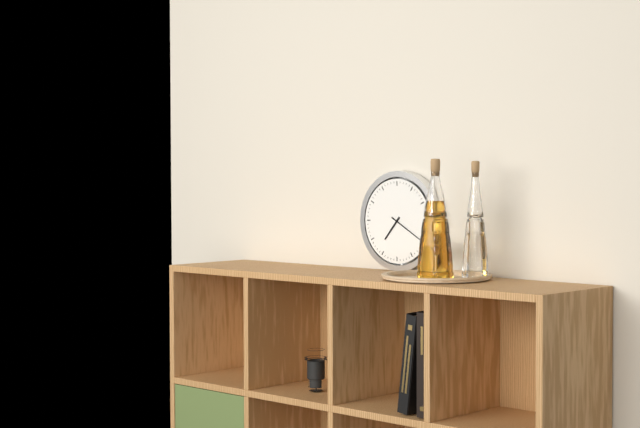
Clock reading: 7h20
